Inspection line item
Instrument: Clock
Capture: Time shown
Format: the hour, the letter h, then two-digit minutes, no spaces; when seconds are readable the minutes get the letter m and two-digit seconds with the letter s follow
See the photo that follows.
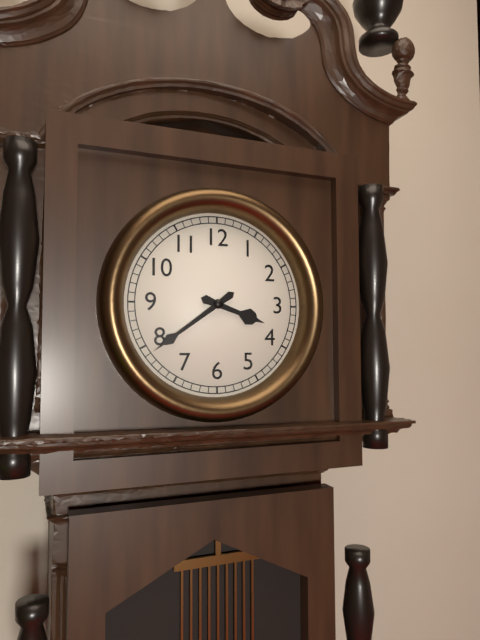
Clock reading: 3h39
